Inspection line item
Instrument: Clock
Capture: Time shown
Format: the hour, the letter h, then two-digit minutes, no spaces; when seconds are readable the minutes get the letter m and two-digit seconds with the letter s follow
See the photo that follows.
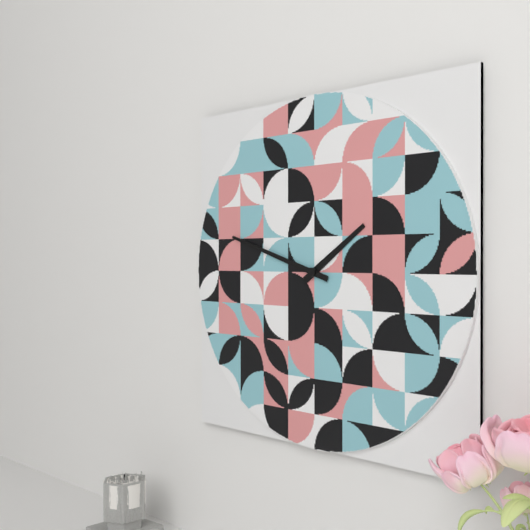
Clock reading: 1h48
